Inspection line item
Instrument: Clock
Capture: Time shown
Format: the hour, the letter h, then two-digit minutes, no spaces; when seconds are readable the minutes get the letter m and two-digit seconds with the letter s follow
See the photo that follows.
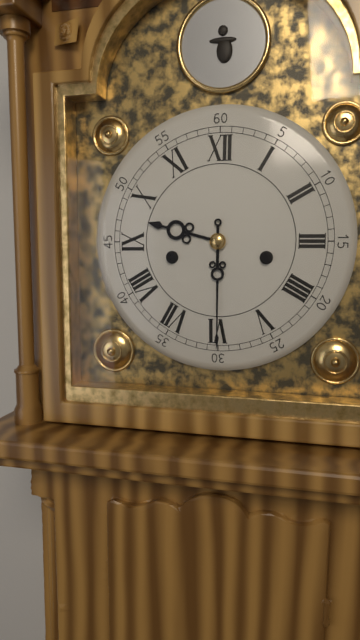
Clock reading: 9h30
